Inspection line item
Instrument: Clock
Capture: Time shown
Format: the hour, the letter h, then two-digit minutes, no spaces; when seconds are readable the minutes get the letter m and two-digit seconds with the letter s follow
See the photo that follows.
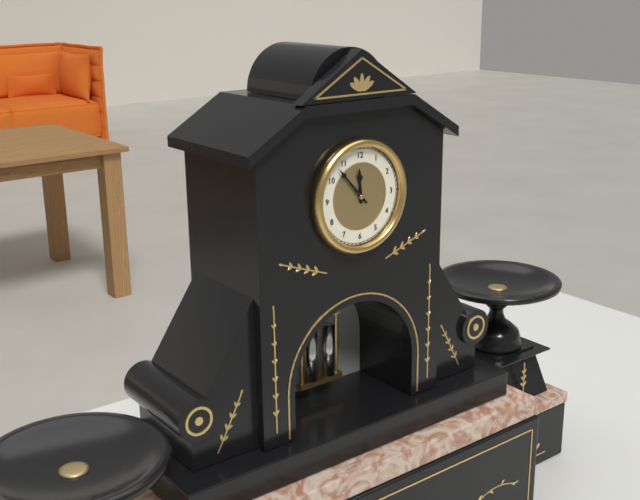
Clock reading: 11h53
